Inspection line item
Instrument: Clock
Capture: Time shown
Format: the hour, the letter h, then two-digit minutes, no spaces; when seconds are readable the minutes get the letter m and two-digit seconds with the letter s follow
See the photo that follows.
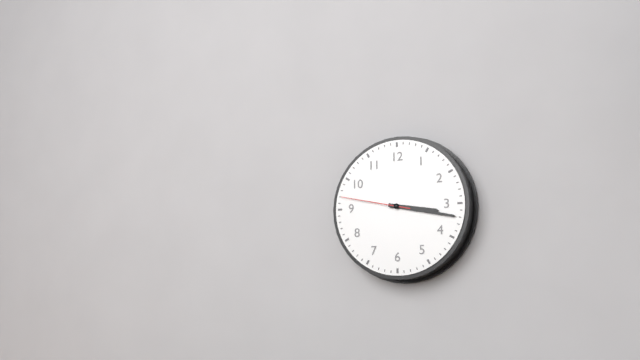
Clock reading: 3h17m47s
